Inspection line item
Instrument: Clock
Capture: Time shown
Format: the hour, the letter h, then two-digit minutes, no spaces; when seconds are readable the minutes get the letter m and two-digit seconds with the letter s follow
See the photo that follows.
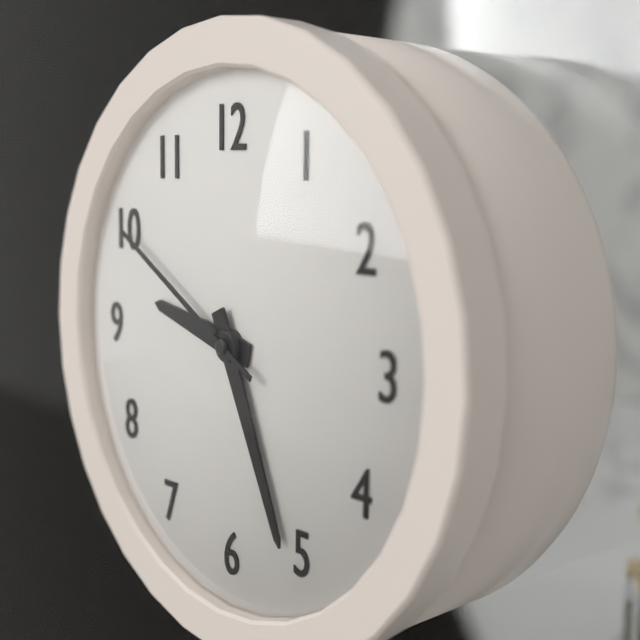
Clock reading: 9h26m50s
